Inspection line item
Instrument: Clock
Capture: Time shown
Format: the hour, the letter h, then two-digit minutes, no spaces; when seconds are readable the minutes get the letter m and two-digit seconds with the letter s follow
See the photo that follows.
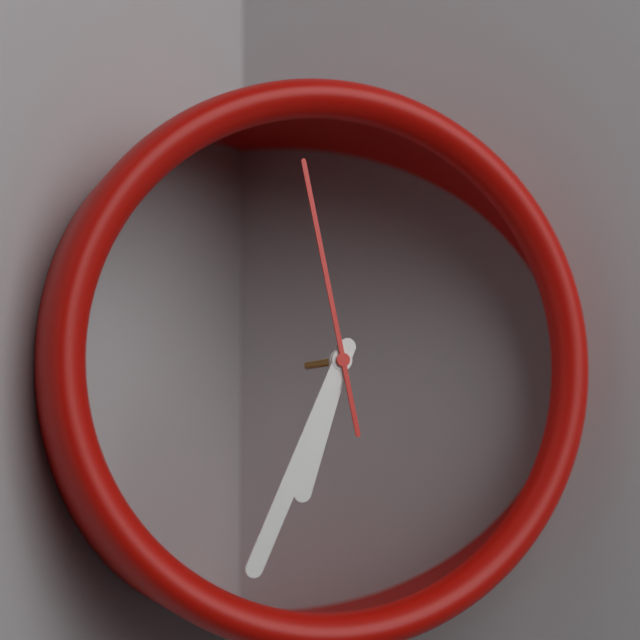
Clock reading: 6h34m58s
